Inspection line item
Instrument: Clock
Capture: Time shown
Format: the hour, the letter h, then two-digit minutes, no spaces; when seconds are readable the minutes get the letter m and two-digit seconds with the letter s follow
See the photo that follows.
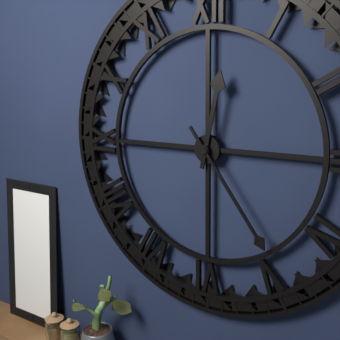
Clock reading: 12h24
